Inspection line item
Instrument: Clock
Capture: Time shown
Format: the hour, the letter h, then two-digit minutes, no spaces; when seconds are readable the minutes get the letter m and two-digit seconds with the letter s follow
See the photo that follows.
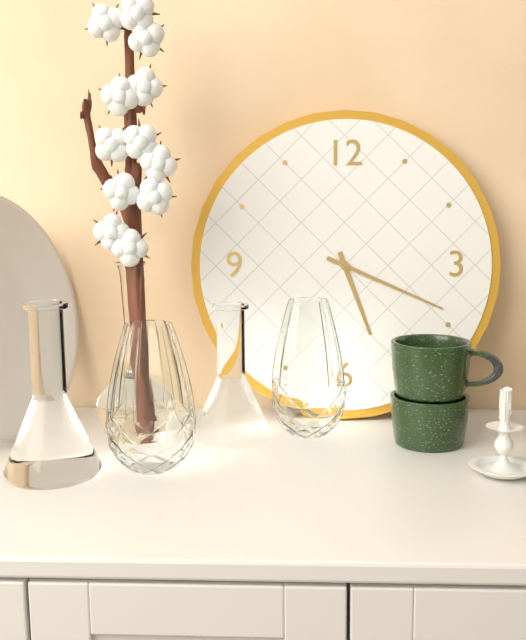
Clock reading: 5h19
